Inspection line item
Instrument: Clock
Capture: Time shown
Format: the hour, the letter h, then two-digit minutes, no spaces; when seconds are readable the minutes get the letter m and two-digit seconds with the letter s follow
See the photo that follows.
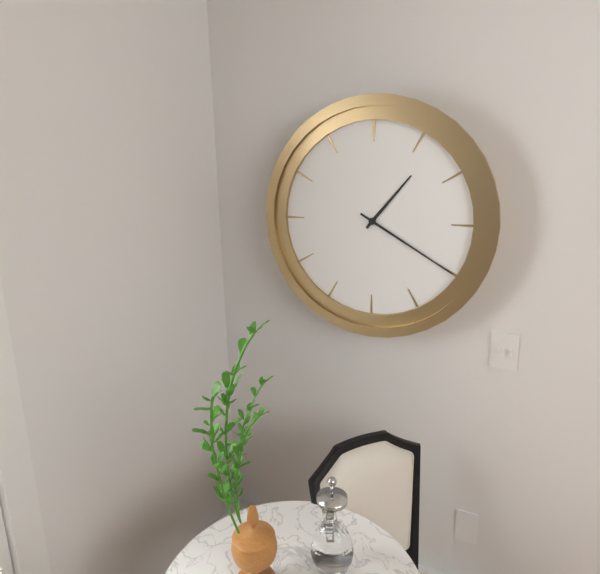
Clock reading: 1h20
